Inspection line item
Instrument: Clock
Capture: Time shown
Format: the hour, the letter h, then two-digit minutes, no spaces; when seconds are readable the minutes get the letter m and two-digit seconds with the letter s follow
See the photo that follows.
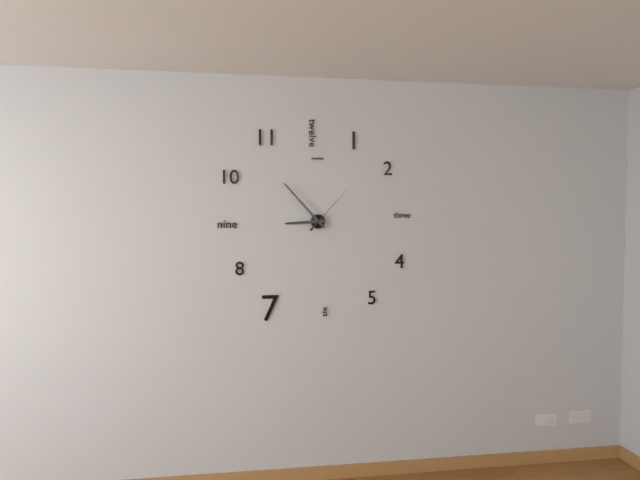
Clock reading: 8h53m07s
